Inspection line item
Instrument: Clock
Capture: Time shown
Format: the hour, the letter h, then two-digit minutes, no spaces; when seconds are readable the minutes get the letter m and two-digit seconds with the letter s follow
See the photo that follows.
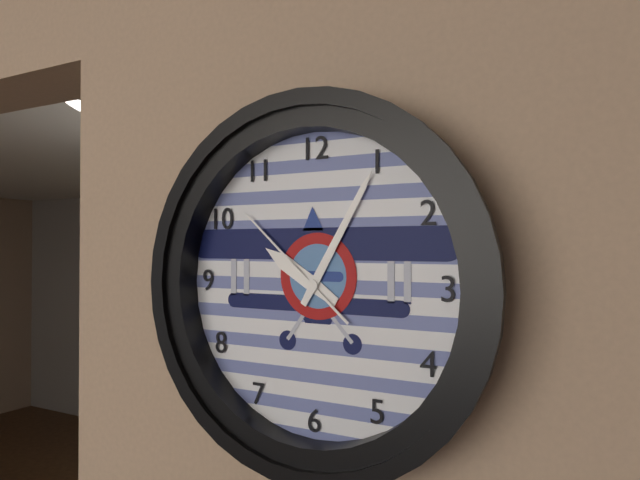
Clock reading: 10h05m52s
